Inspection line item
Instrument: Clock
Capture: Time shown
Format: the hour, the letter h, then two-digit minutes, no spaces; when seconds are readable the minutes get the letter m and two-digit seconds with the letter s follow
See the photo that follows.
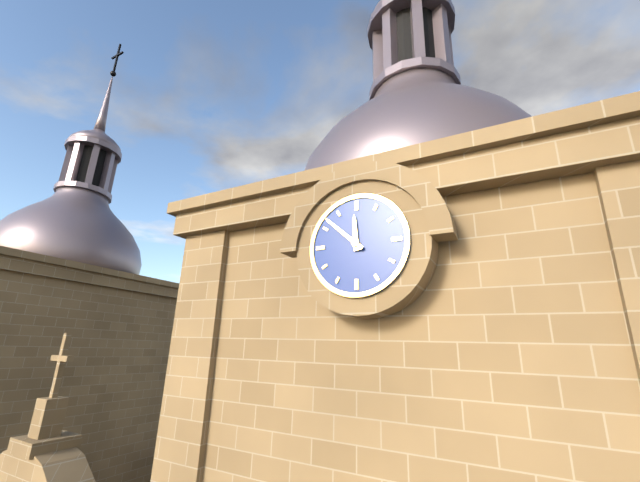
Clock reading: 11h52
